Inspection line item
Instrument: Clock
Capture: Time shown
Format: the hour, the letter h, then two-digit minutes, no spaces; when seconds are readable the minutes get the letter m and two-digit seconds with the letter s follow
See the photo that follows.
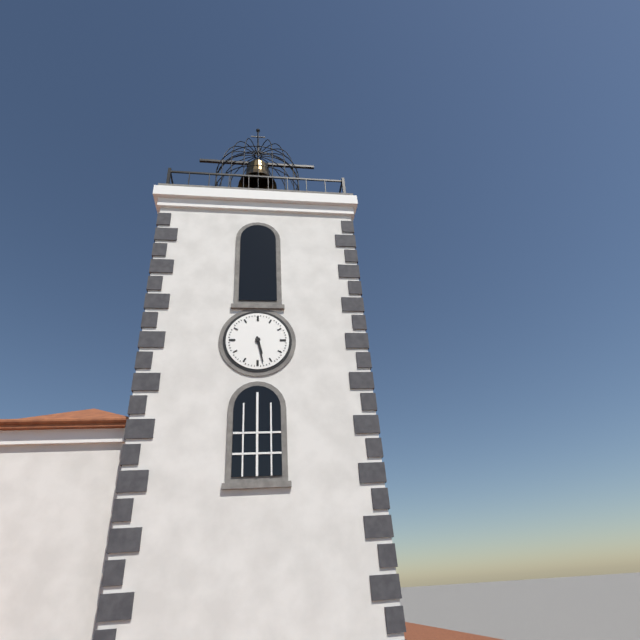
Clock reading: 5h28
